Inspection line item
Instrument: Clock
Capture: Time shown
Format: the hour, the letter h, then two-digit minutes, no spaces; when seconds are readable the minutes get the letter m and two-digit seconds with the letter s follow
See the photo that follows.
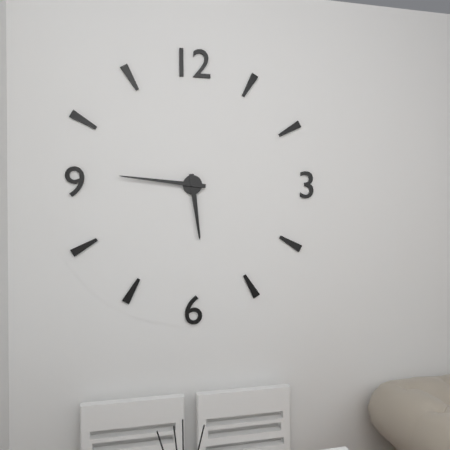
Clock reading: 5h46
